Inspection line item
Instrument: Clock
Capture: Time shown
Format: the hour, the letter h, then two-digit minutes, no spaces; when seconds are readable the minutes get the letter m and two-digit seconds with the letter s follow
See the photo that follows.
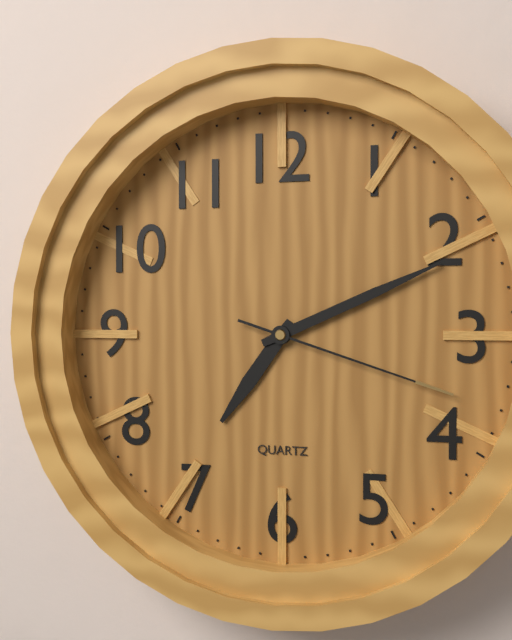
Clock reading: 7h11m18s
